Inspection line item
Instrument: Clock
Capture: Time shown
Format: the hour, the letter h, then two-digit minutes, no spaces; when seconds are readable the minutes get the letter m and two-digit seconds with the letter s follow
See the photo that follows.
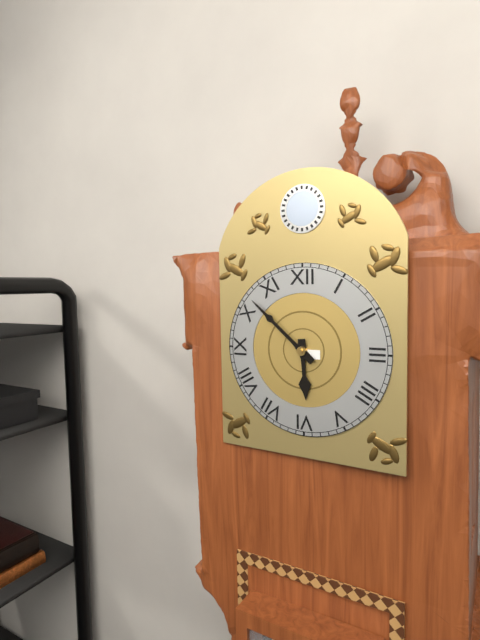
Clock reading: 5h52
